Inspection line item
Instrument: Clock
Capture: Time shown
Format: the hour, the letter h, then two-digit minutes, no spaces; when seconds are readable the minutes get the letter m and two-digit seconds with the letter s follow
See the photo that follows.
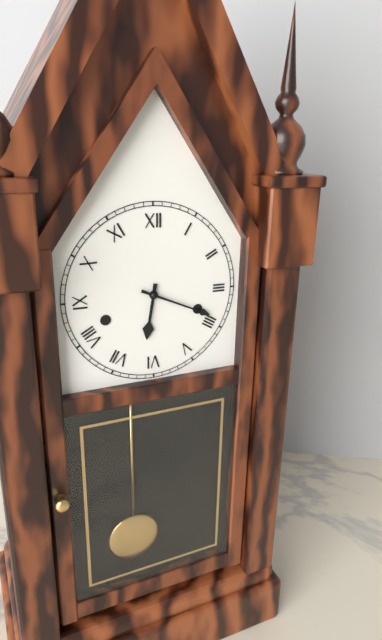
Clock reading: 6h19
